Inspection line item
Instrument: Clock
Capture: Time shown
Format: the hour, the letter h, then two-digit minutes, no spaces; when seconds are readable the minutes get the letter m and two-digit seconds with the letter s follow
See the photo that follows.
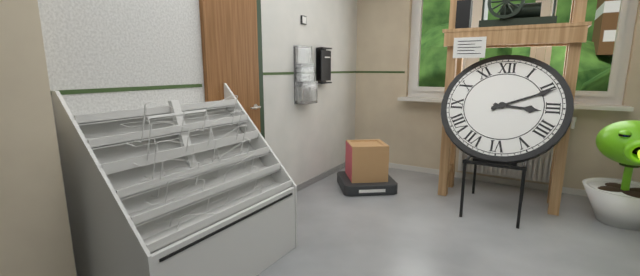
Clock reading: 3h11
